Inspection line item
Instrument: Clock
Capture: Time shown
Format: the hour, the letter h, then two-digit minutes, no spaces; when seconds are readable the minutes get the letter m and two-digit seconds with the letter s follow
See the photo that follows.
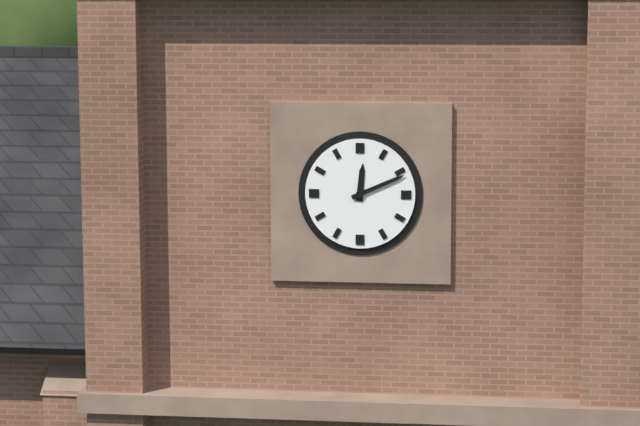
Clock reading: 12h11
